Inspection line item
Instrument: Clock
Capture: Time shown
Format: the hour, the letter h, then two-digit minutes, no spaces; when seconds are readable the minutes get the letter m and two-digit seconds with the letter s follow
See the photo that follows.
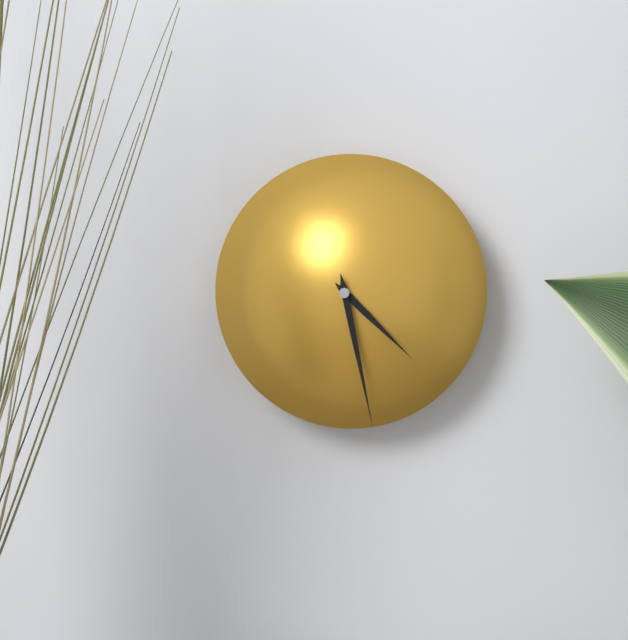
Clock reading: 4h28
